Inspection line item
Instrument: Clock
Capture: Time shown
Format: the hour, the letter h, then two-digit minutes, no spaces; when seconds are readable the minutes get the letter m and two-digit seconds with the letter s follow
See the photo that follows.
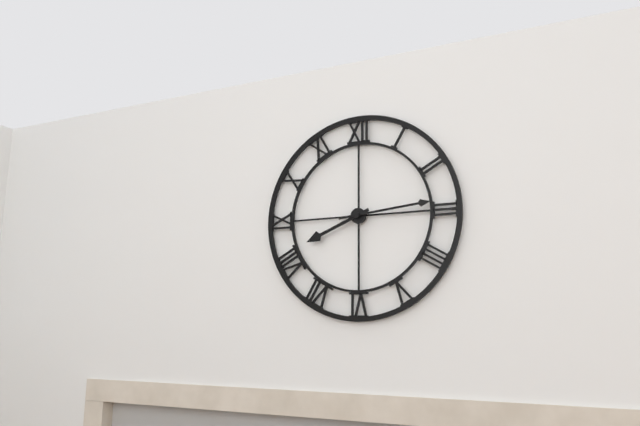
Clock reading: 8h14
